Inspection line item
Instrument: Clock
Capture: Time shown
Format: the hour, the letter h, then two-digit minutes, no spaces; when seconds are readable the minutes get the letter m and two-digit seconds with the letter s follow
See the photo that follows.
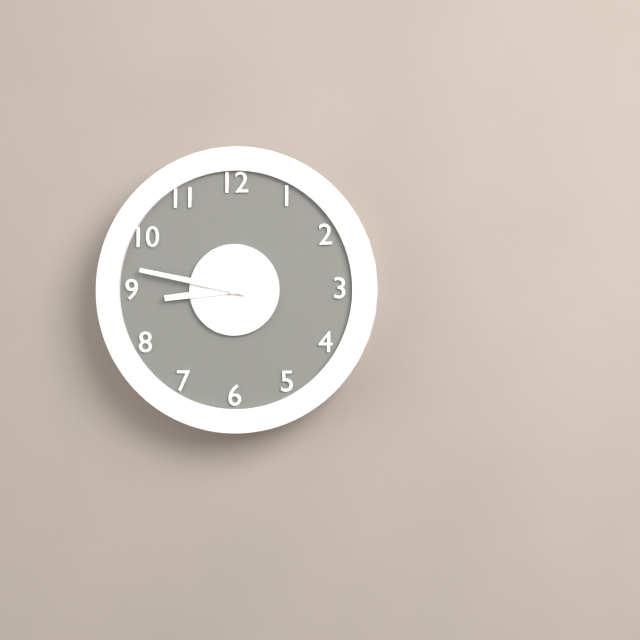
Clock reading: 8h47
